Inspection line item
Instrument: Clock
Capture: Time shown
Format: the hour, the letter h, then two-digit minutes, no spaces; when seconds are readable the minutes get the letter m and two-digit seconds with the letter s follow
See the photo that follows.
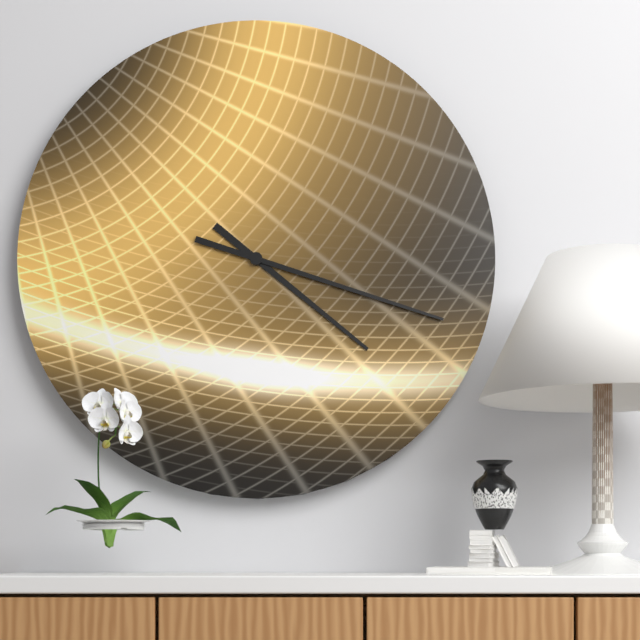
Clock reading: 4h18
